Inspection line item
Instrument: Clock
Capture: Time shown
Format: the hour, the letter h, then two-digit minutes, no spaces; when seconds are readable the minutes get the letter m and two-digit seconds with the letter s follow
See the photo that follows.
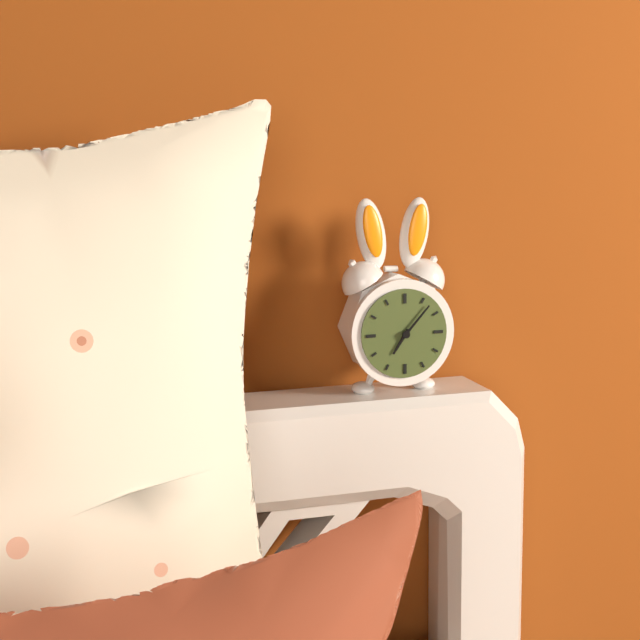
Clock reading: 7h07
